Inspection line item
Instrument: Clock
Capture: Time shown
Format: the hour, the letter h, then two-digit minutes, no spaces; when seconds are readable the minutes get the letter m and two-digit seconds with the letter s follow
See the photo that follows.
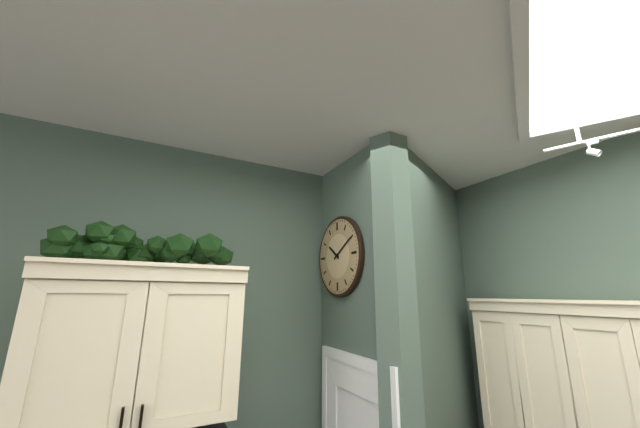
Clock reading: 10h10
